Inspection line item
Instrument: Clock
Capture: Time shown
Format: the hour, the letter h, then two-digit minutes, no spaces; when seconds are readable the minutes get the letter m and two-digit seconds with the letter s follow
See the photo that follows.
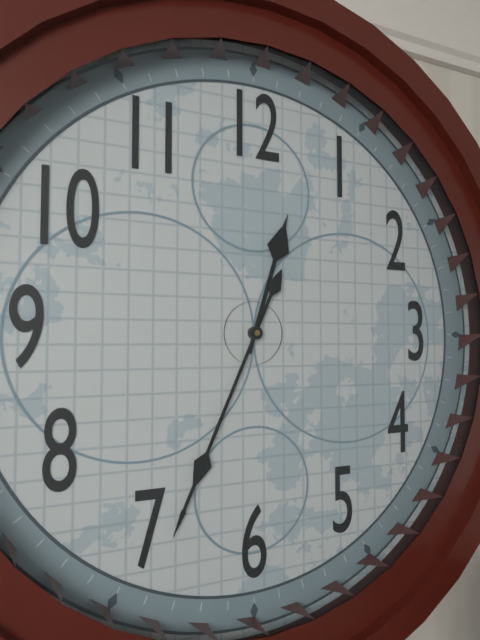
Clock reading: 12h34
